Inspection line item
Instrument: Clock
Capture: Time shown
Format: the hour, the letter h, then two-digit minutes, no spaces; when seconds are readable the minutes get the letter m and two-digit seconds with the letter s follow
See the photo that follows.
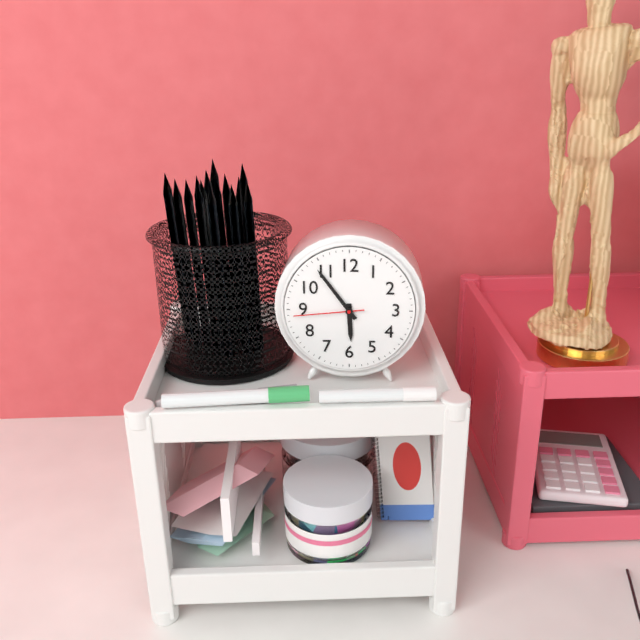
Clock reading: 5h54m44s
